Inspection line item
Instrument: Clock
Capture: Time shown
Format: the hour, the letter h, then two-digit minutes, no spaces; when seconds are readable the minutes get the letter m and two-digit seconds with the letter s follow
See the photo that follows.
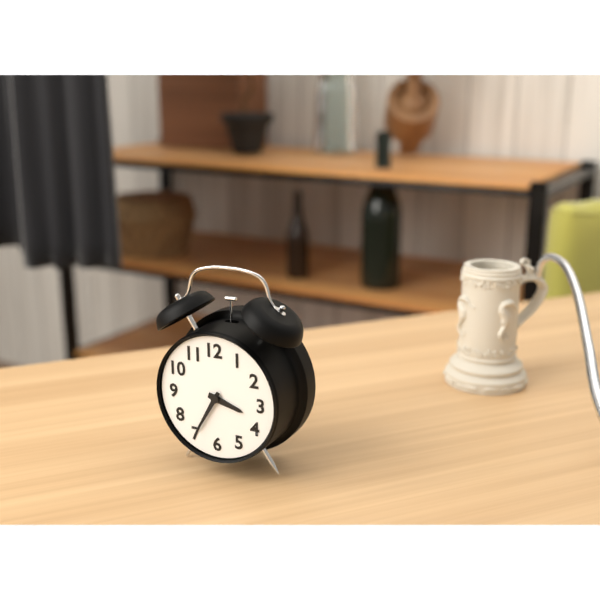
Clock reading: 3h35
